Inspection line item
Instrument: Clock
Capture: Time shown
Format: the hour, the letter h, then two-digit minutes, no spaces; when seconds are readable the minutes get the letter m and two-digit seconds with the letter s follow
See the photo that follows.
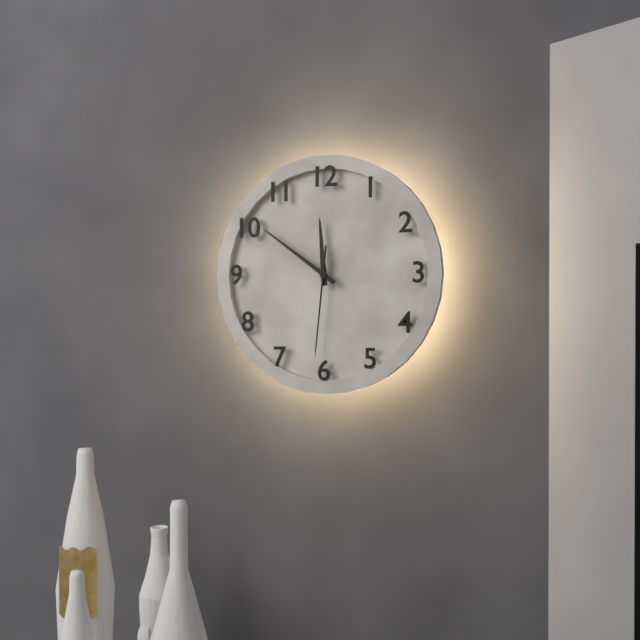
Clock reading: 11h51m31s
